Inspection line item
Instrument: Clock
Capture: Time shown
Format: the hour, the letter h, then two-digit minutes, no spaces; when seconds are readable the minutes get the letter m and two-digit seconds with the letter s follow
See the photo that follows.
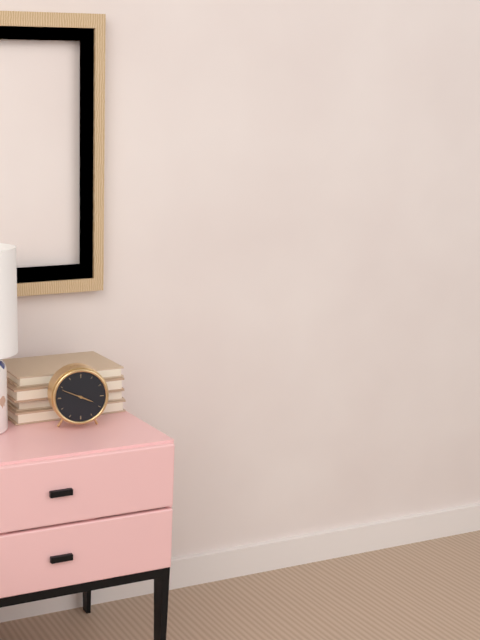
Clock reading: 3h49
